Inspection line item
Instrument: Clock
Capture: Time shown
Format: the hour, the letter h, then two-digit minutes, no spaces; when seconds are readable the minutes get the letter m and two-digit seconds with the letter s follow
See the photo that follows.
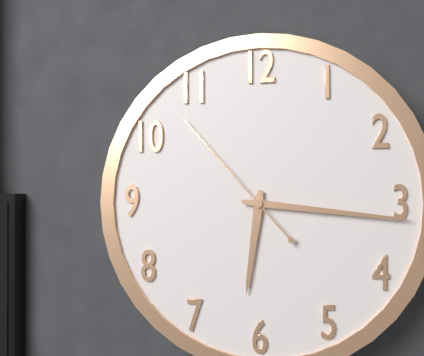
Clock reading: 6h16m53s
